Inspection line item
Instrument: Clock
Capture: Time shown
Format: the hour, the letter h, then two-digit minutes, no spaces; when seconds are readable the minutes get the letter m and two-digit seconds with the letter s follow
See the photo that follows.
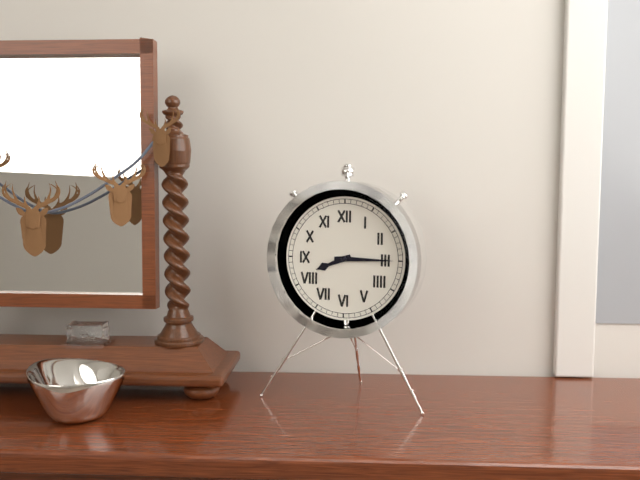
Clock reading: 8h15
